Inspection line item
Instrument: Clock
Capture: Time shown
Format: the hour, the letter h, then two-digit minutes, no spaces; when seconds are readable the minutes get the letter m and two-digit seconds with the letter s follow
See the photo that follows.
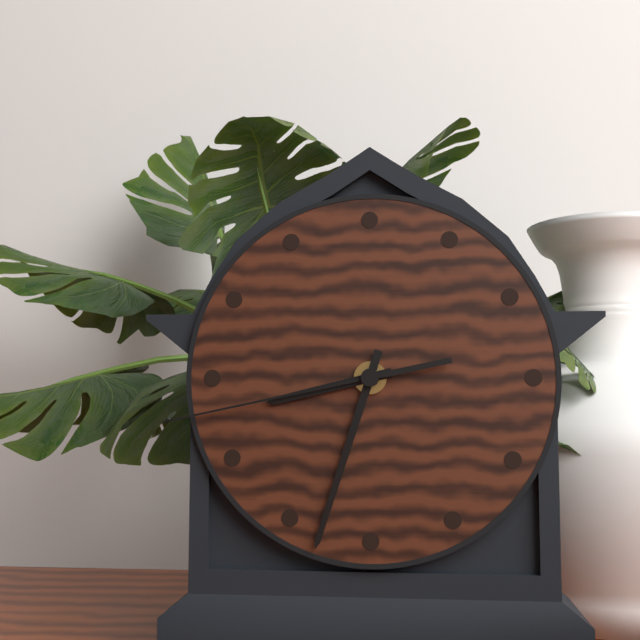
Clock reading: 8h33m43s
